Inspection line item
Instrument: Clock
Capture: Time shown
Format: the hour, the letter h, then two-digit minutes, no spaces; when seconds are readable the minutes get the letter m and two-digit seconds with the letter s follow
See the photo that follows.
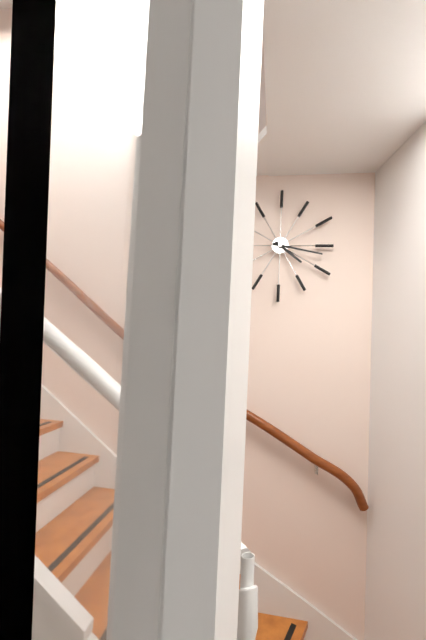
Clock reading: 4h17
